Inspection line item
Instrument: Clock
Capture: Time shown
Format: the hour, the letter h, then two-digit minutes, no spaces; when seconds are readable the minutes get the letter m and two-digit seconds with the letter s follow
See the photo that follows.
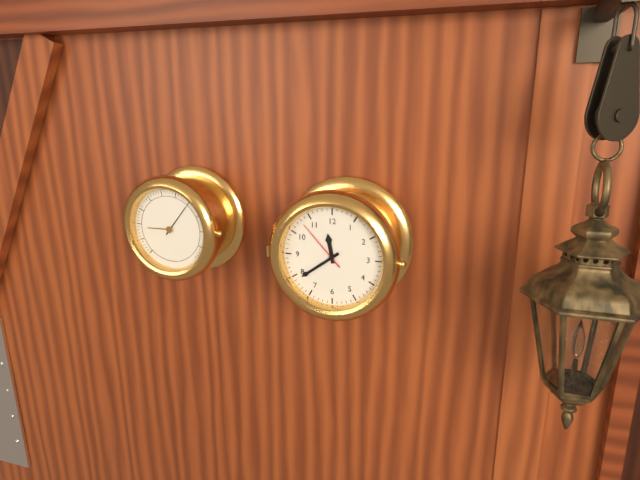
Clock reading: 11h39m53s
